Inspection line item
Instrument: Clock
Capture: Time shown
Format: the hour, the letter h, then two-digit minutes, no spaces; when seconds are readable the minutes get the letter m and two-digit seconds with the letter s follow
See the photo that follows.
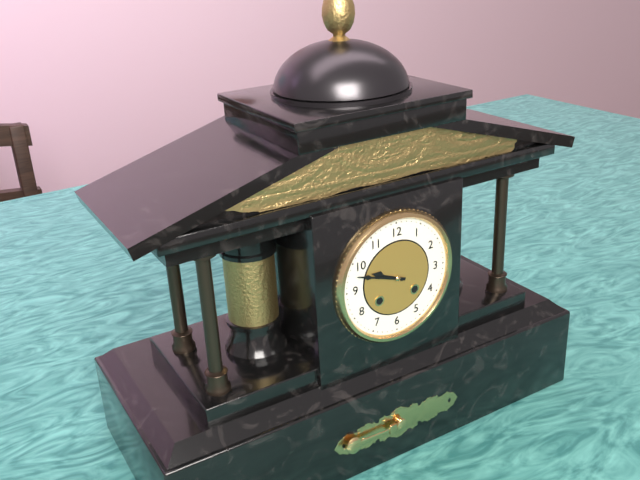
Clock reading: 9h48
